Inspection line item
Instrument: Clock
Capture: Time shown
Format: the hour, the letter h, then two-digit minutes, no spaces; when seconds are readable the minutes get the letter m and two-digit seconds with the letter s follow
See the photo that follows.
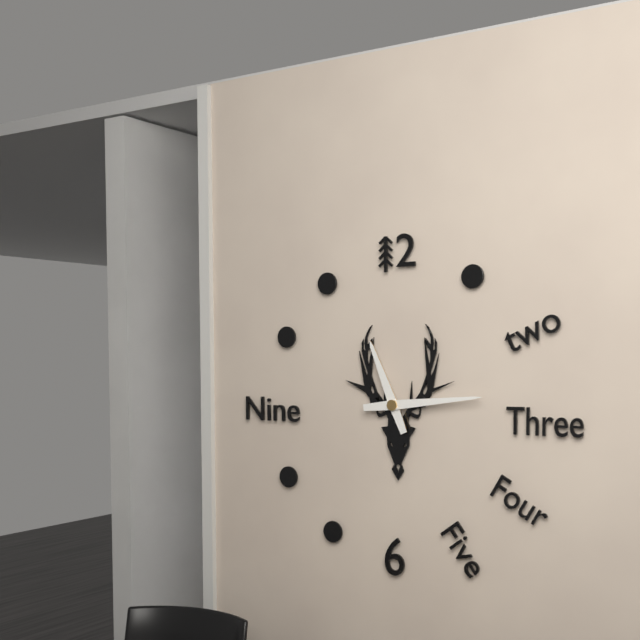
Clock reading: 11h14
